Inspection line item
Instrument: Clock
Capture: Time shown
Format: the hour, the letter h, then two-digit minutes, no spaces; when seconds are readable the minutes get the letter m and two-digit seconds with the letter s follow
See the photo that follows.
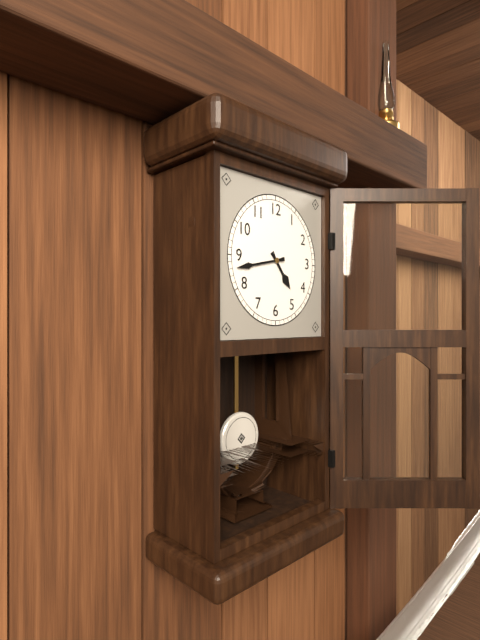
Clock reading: 4h43
